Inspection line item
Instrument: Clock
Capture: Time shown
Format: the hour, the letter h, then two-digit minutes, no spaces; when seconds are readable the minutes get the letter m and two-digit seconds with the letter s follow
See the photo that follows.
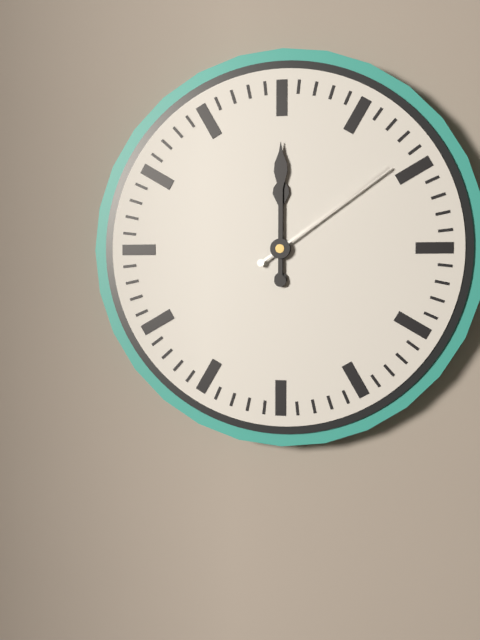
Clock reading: 12h00m09s
